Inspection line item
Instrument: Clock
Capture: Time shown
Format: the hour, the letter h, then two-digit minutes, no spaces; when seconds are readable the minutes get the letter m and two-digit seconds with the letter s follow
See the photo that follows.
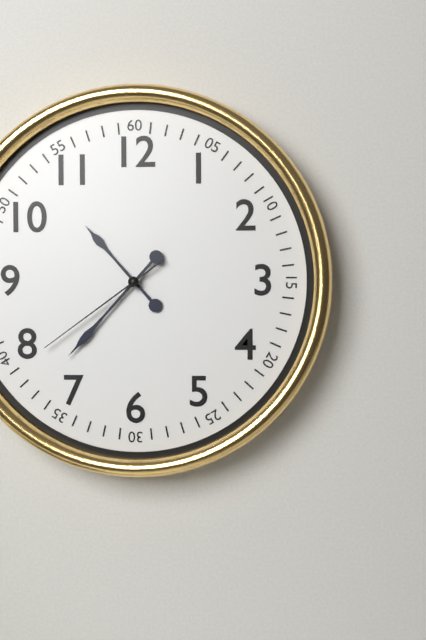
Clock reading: 10h37m39s
